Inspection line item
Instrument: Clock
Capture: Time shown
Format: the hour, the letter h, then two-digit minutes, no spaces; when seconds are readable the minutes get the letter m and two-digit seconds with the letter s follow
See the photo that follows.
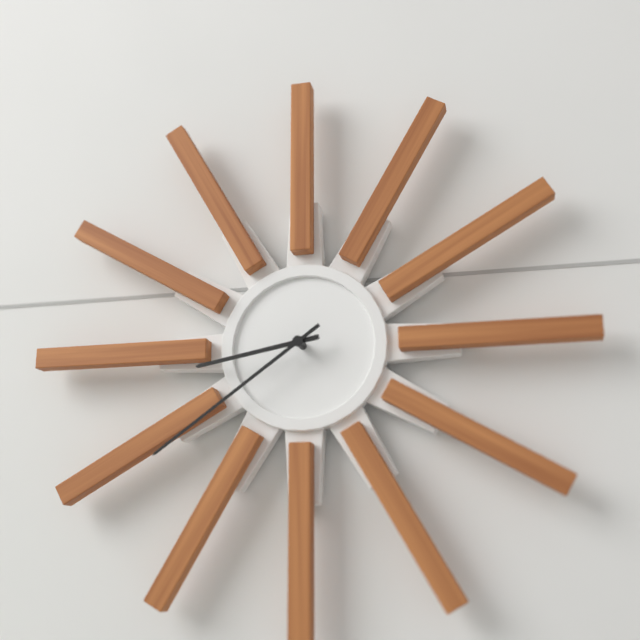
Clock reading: 8h39
